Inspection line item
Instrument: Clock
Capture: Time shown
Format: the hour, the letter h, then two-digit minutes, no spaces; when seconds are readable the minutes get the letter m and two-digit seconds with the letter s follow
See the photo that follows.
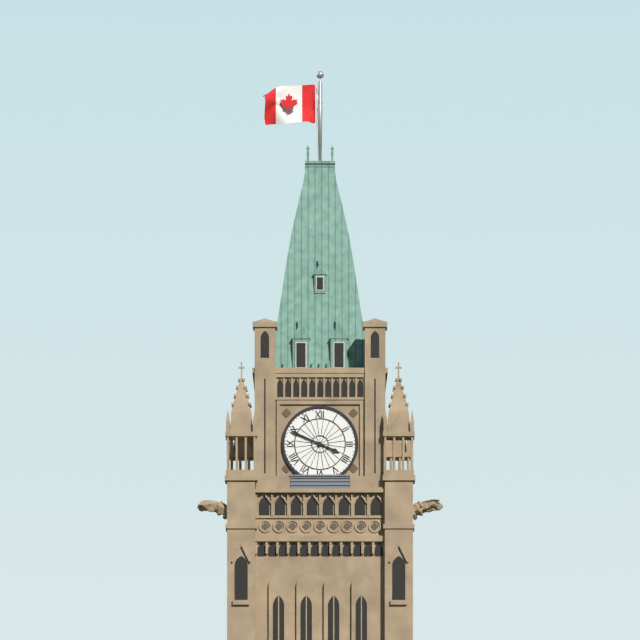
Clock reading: 3h49
